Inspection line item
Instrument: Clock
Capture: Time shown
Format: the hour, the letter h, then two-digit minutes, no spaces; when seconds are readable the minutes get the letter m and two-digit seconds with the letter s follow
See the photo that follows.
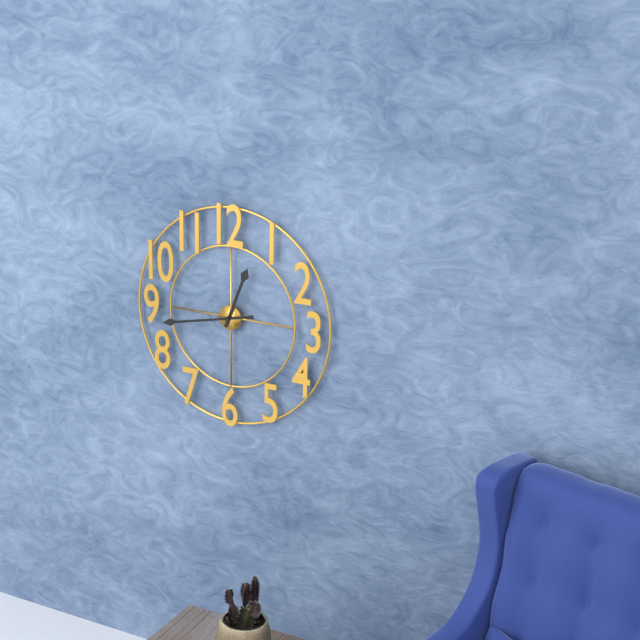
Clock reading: 12h43
